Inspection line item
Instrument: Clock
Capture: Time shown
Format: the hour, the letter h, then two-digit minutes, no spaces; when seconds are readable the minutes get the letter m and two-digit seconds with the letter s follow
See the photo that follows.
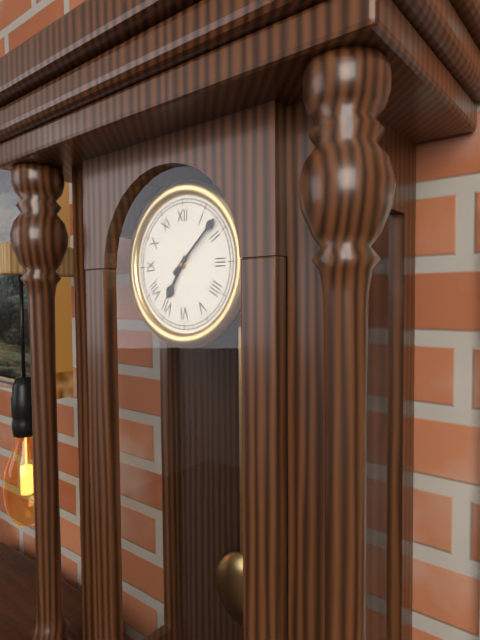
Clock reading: 7h08
